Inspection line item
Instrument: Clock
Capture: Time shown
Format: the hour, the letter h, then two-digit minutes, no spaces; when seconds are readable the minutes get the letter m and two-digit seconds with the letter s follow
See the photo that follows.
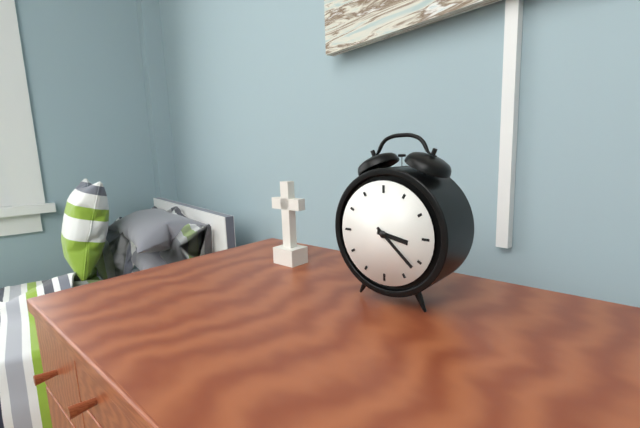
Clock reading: 3h22
